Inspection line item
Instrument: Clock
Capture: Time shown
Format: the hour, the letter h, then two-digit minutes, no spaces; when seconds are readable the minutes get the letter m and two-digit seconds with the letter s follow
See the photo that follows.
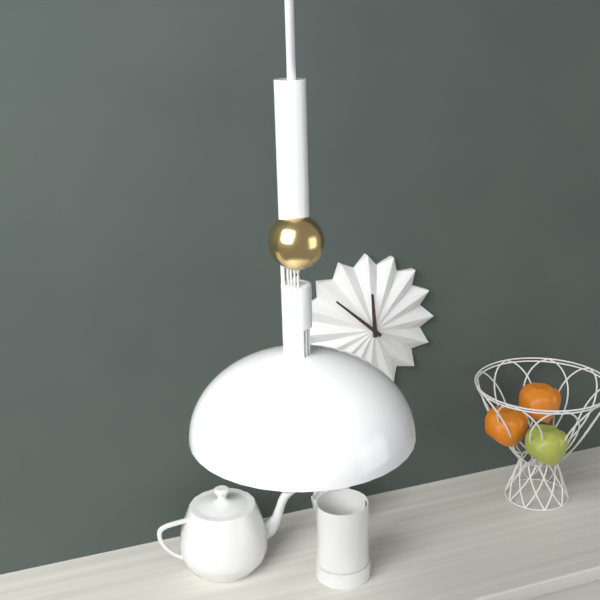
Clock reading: 11h52
